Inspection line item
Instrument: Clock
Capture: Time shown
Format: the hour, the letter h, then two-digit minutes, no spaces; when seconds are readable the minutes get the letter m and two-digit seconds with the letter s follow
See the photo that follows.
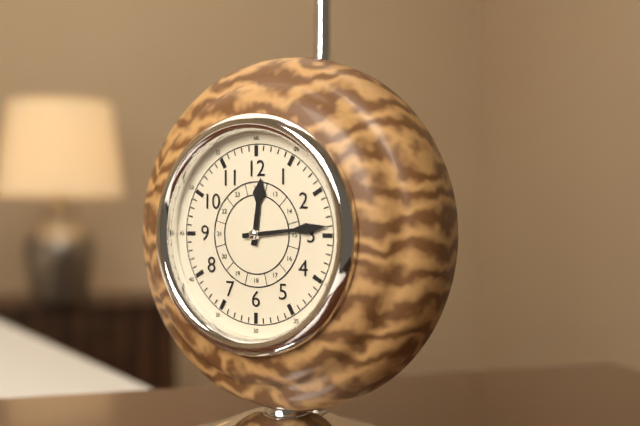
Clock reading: 12h14
